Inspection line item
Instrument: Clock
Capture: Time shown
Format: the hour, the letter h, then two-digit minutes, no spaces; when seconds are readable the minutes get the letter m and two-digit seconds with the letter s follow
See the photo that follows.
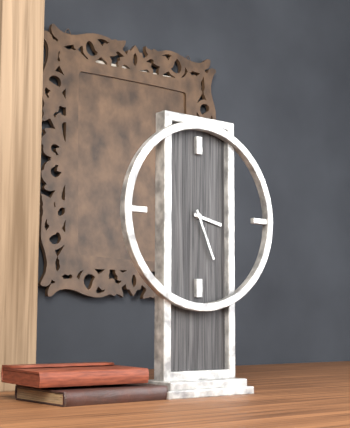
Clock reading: 3h26
